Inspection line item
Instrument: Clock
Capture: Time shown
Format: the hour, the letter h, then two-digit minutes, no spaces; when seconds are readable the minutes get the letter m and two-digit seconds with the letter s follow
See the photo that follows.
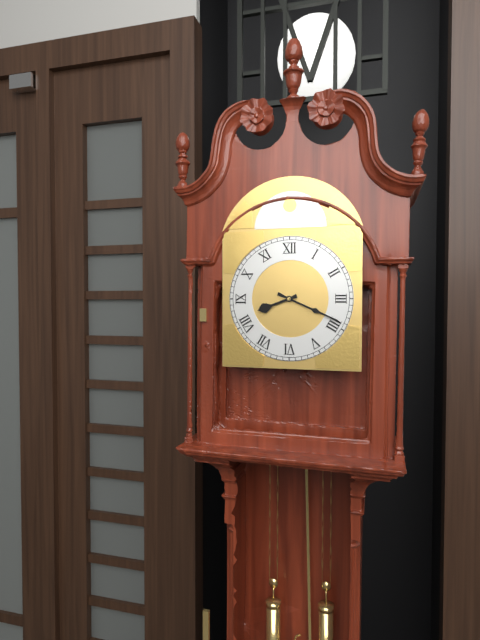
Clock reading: 8h19
